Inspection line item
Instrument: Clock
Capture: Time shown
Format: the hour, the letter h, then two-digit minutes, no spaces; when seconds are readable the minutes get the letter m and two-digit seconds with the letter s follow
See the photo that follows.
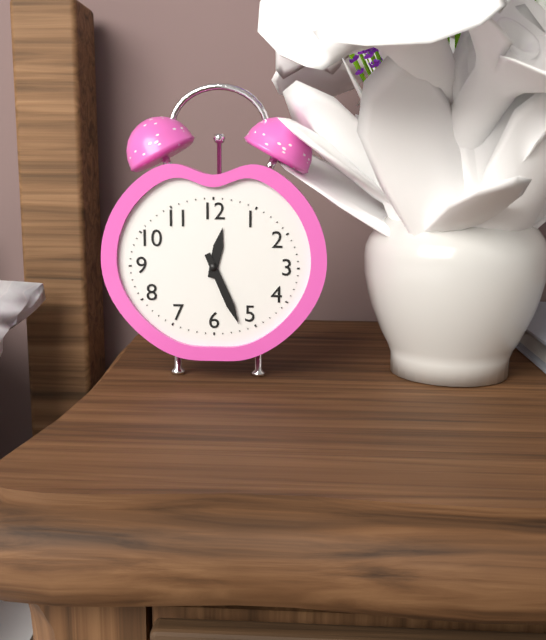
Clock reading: 12h26
